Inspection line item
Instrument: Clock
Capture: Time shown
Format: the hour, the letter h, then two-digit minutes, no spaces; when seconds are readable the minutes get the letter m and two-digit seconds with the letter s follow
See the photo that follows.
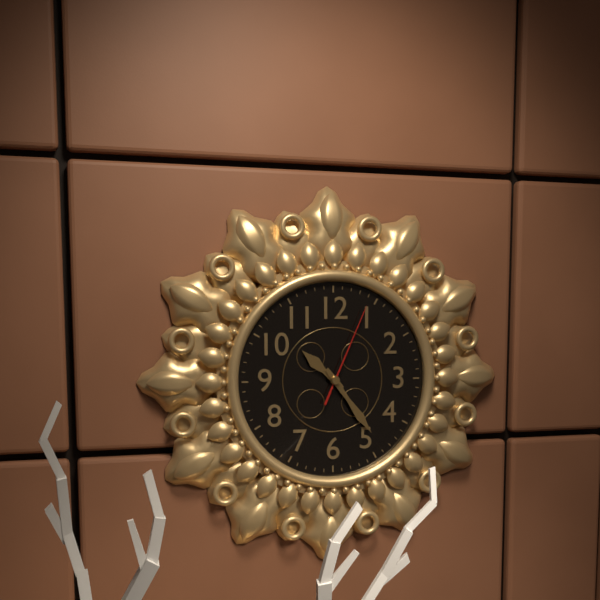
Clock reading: 10h24m04s
